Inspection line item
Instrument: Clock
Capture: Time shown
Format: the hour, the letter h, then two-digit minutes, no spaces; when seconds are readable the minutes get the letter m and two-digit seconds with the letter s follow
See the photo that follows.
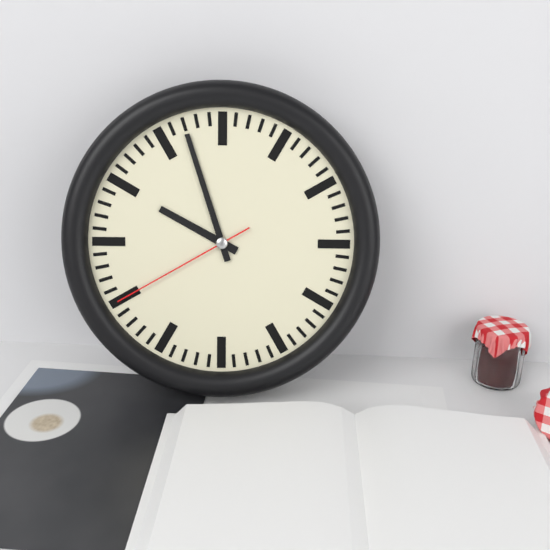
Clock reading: 9h57m40s
